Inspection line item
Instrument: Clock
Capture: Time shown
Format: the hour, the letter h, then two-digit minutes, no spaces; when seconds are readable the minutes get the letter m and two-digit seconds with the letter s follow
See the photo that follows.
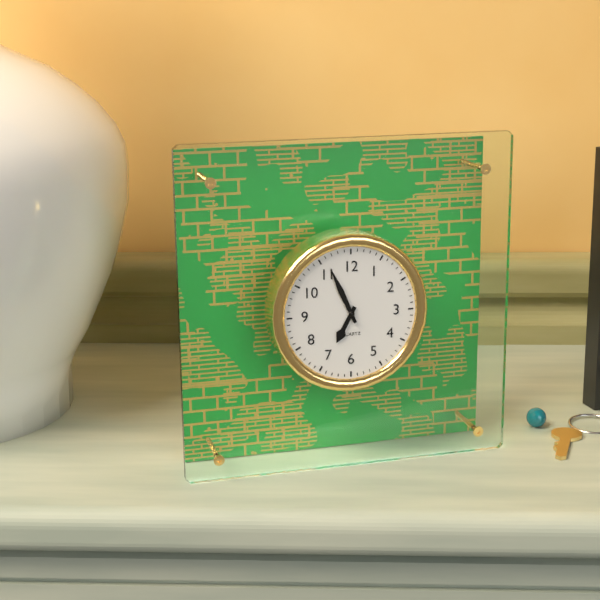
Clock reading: 6h56
